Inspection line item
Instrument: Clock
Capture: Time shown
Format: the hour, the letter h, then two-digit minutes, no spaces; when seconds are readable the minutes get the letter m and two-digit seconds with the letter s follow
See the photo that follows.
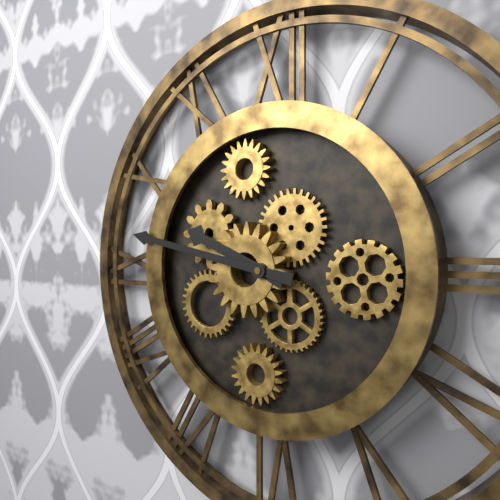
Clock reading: 9h47
